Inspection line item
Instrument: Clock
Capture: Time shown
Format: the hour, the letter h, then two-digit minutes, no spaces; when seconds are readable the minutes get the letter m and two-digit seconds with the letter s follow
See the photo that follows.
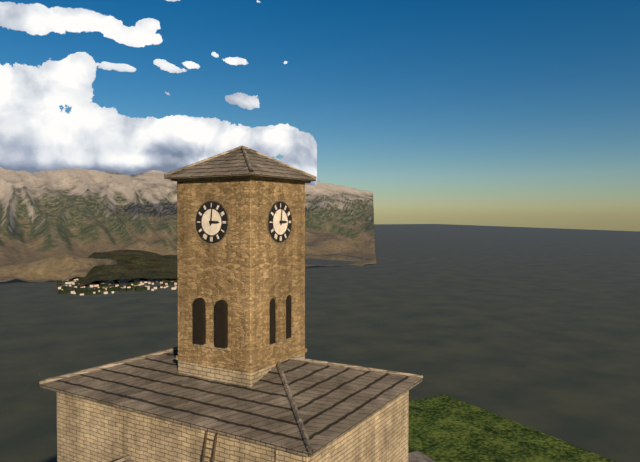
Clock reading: 3h01
